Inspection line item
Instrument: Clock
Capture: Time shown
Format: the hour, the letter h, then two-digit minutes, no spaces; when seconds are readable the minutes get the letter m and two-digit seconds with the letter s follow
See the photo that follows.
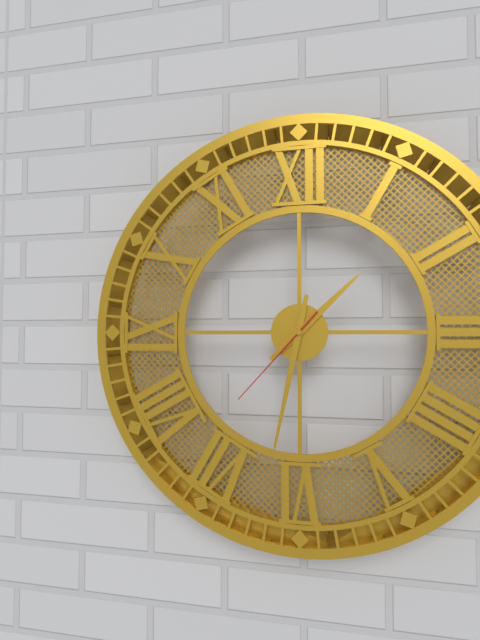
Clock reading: 1h32m37s
